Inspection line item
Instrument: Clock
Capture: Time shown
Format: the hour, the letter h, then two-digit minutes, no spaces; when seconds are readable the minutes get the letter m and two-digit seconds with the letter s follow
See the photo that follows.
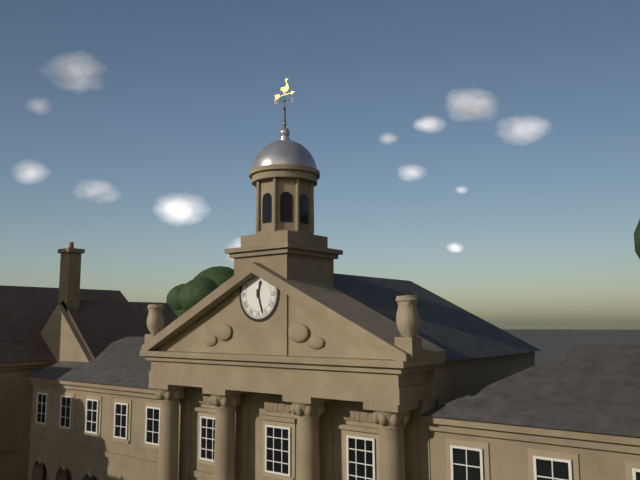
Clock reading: 12h27
